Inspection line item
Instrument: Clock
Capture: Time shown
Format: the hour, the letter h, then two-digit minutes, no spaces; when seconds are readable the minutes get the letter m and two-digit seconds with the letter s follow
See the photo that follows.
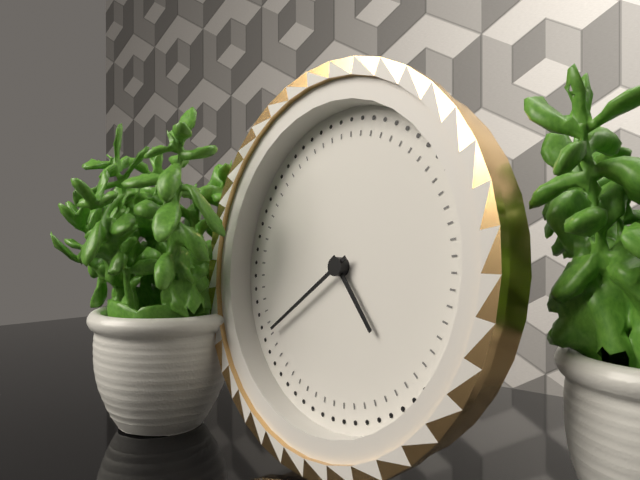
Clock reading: 4h39
